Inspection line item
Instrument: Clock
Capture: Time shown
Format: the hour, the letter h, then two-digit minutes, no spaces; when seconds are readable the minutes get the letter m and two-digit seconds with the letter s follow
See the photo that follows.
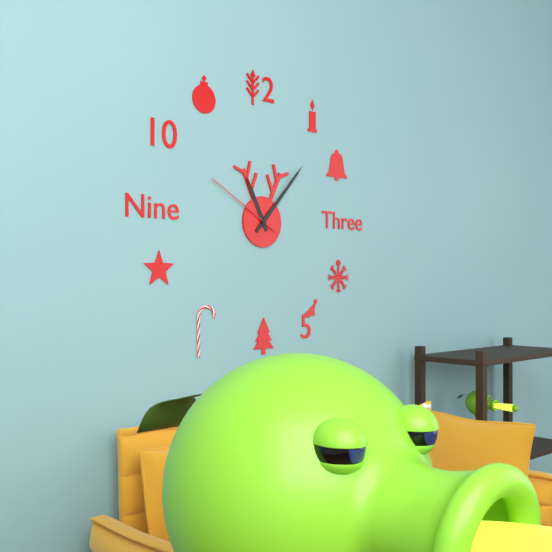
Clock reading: 11h07m50s
